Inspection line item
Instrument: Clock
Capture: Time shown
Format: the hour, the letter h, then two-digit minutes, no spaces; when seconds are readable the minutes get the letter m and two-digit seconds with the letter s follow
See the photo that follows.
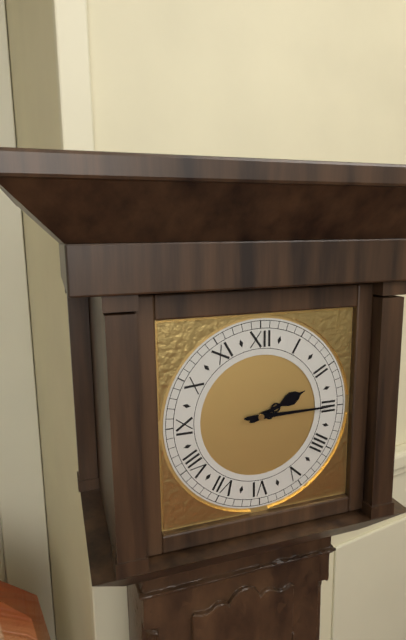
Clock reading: 2h15
